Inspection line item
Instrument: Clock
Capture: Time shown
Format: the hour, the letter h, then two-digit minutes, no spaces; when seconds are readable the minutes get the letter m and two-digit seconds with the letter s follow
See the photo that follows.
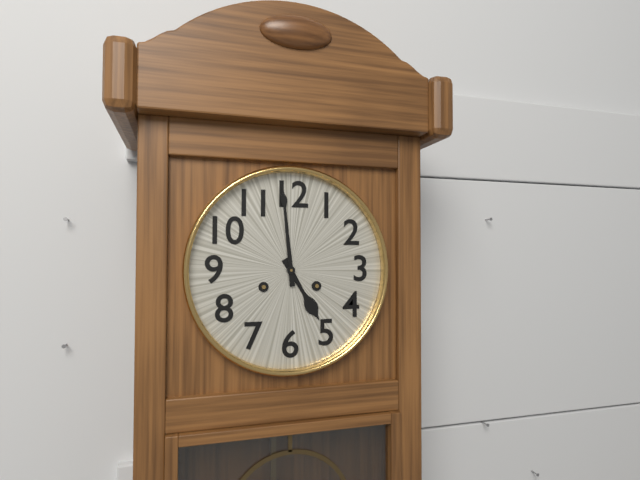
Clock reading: 4h59
